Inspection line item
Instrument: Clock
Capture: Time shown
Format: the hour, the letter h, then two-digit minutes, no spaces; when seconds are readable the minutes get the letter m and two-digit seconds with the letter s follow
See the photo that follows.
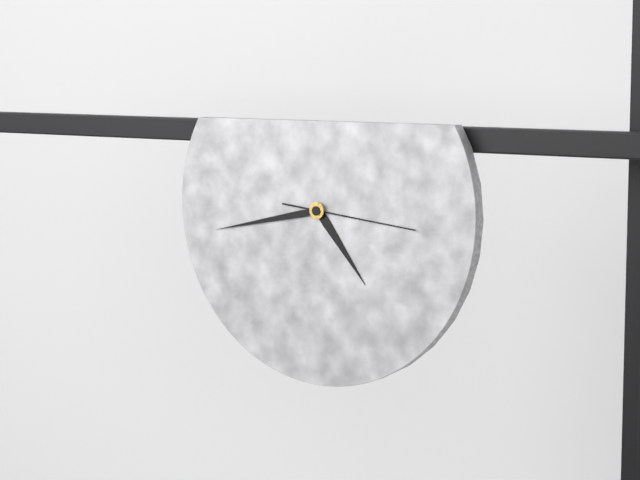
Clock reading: 4h43m16s
